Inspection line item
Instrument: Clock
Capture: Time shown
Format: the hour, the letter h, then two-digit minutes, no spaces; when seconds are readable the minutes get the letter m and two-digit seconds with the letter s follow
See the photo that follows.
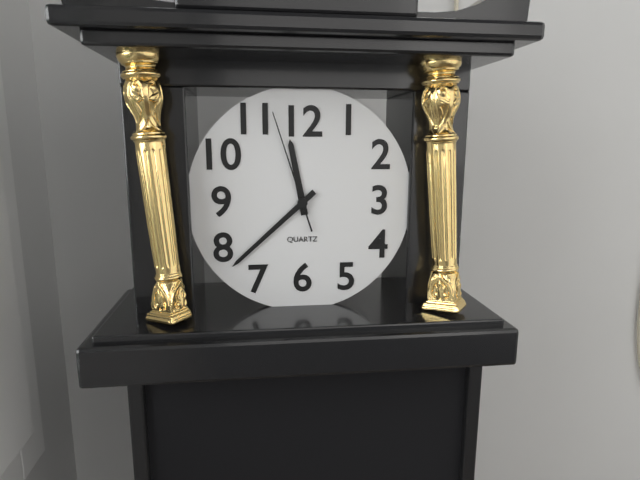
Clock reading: 11h38m57s
